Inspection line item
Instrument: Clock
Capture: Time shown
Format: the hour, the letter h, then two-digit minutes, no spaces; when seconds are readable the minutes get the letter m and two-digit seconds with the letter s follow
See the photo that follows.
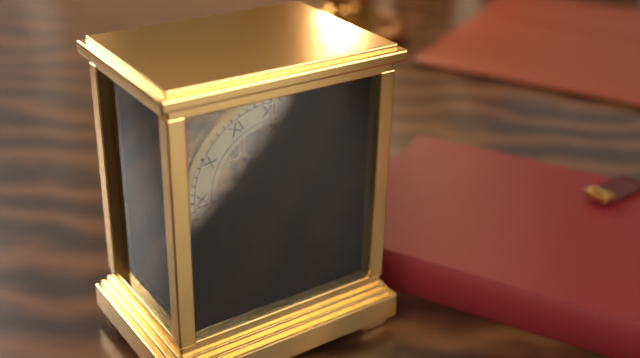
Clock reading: 3h45
